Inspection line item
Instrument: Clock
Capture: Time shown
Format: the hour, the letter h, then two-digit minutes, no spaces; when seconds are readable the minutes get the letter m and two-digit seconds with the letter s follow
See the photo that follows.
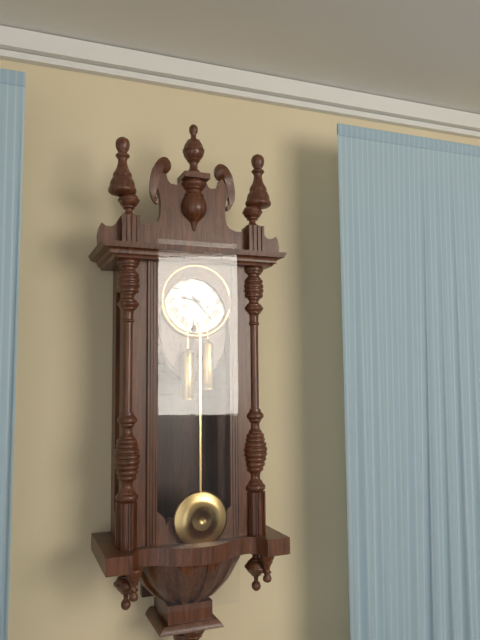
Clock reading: 9h23
